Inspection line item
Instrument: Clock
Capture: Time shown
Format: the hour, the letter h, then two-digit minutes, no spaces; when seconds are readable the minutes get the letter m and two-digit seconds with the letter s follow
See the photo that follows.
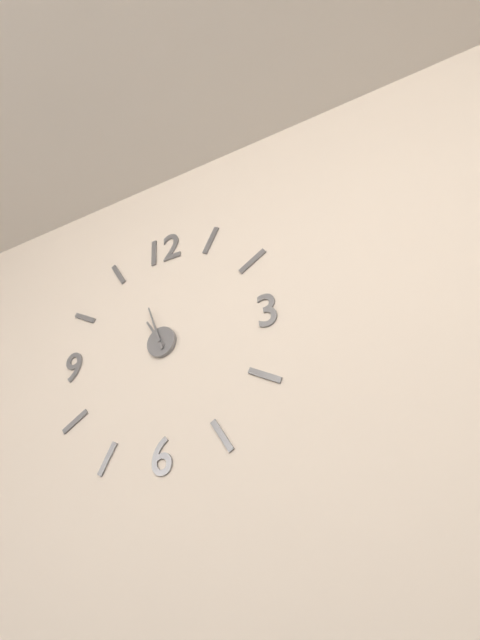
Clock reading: 10h57
